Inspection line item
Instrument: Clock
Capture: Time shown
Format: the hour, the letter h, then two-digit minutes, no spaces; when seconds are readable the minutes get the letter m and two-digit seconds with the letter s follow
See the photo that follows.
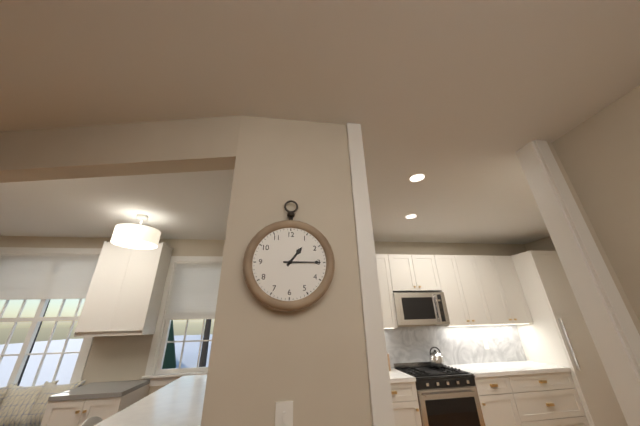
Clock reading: 1h15
